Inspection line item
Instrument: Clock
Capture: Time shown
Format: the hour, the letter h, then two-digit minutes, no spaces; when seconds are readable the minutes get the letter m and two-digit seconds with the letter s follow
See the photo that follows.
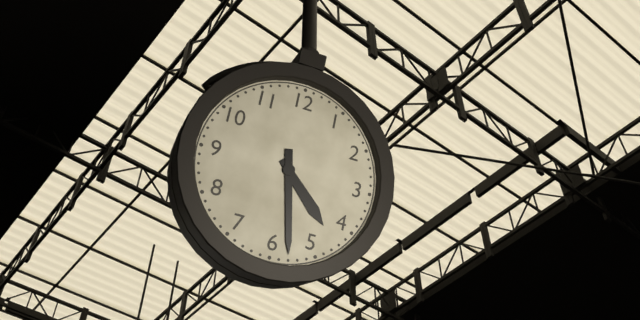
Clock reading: 4h28
